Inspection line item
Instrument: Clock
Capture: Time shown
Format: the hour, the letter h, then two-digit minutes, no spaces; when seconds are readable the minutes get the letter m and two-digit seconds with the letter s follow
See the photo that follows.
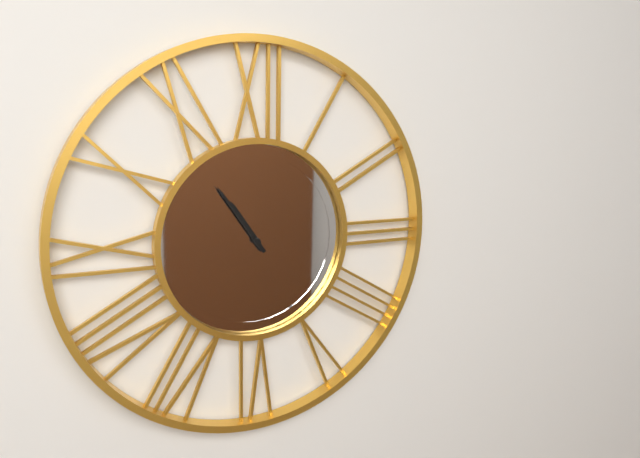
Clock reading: 10h54
